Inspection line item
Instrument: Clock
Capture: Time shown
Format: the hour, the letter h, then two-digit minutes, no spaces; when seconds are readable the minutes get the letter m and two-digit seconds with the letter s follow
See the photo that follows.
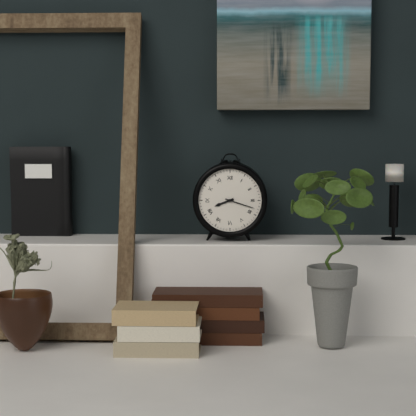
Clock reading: 8h18
